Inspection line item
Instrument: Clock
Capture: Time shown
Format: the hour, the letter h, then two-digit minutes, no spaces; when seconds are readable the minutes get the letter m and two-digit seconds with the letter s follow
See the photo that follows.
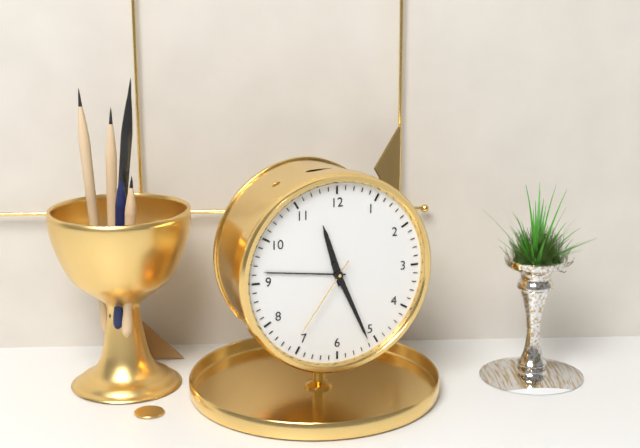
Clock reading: 11h26m36s
